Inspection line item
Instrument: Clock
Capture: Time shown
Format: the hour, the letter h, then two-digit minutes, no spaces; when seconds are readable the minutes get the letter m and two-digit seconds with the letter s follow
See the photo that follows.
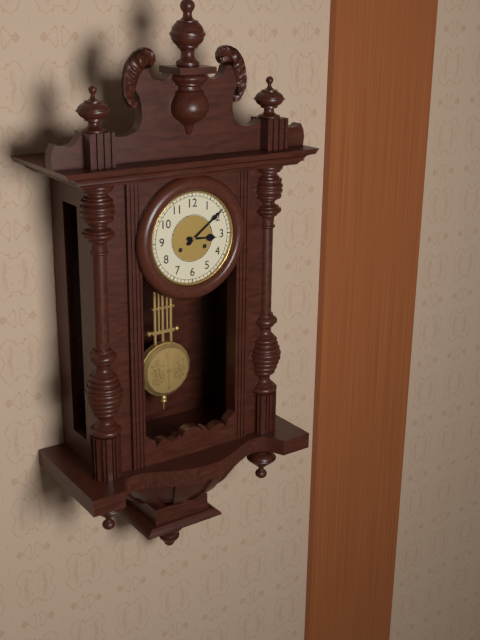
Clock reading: 3h09
